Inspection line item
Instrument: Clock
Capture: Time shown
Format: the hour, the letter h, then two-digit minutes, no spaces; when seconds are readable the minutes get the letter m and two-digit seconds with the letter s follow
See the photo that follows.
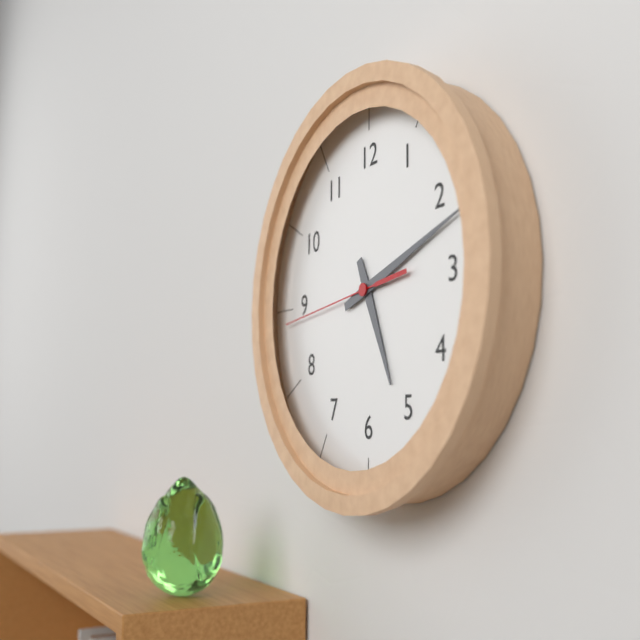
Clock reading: 5h12m44s
